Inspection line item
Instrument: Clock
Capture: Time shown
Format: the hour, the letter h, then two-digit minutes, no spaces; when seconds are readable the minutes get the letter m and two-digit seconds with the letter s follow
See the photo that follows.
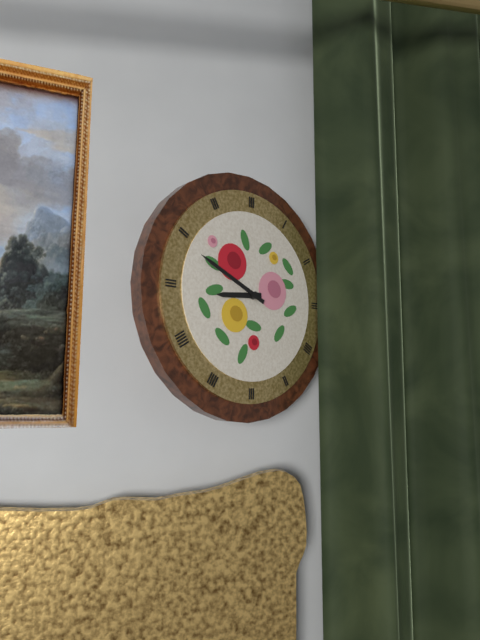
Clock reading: 8h49
